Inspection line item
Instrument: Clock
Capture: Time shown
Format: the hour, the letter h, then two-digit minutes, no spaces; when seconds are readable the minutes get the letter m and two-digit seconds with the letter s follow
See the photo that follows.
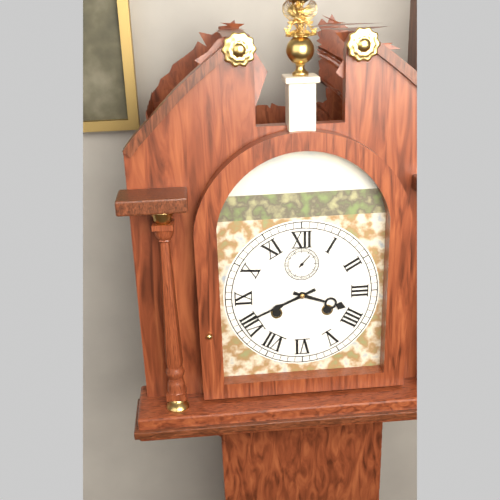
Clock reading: 3h41
